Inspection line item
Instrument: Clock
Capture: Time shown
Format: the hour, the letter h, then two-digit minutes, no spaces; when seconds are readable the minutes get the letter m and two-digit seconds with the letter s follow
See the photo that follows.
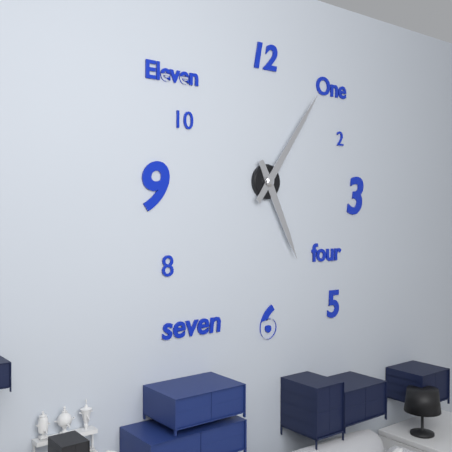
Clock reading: 5h06
